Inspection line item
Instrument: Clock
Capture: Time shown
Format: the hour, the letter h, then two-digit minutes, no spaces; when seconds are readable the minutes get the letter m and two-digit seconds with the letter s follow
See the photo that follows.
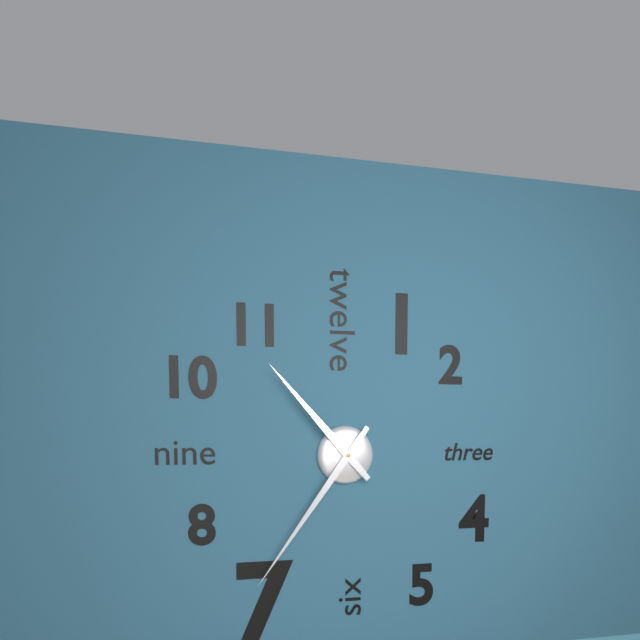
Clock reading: 10h36
